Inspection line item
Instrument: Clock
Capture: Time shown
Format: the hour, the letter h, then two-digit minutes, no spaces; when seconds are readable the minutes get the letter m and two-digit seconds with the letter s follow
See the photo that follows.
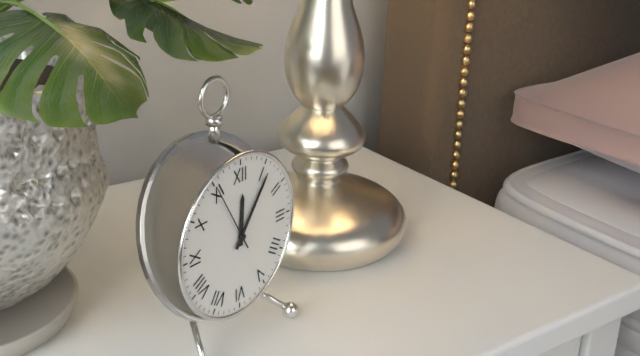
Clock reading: 12h06m55s
